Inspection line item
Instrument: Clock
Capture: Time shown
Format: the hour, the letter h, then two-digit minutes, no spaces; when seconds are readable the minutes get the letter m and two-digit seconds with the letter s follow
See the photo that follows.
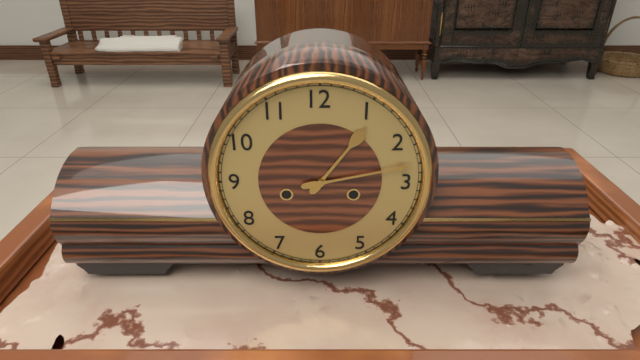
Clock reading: 1h13
